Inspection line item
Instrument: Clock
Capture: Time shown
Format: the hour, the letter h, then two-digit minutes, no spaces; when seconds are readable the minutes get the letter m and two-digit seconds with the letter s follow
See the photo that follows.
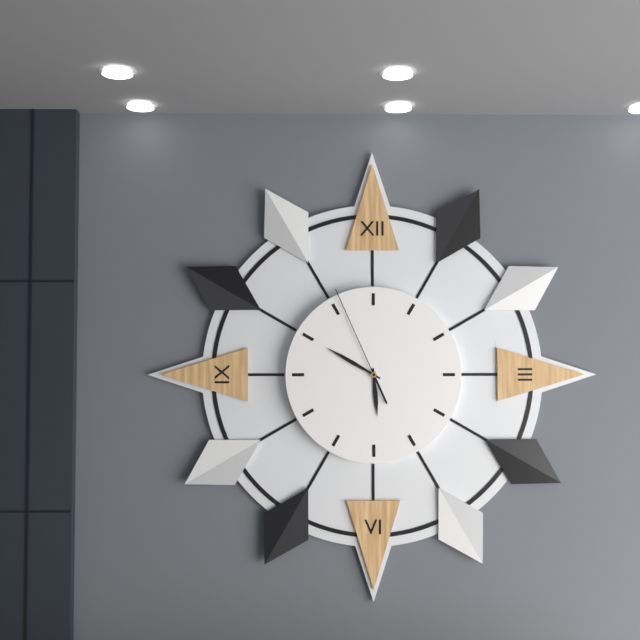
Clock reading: 5h50m56s
